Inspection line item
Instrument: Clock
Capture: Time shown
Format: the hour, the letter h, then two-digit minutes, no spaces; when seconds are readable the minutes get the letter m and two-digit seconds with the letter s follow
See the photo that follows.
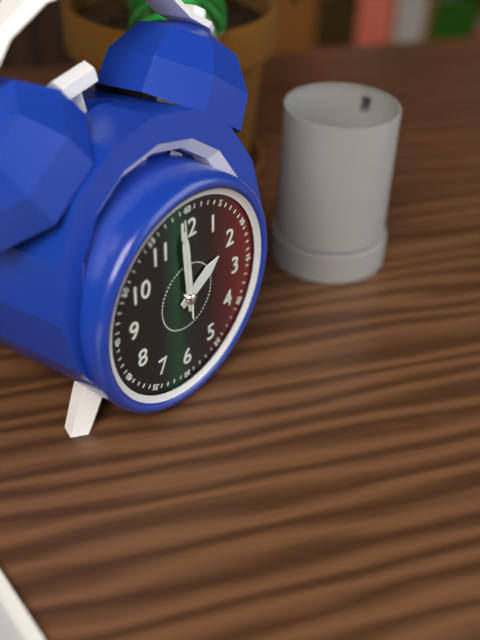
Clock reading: 1h59m59s
